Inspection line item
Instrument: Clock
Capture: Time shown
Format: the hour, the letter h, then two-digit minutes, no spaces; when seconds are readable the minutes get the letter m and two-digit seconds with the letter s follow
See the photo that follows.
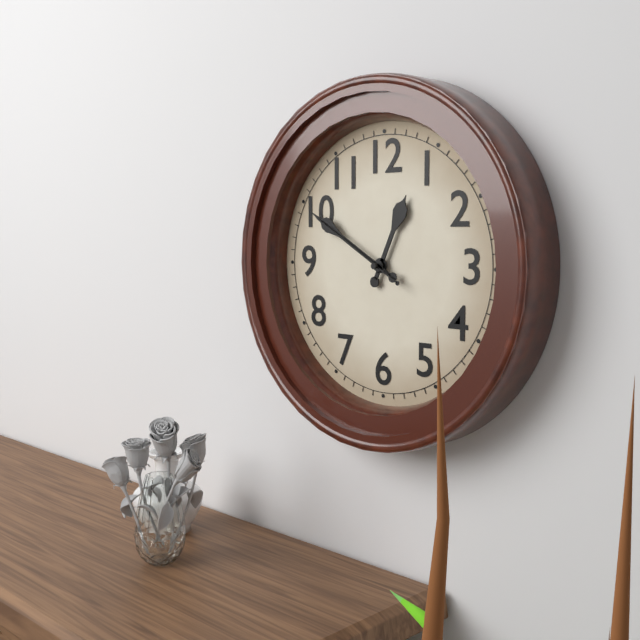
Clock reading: 12h50m50s
